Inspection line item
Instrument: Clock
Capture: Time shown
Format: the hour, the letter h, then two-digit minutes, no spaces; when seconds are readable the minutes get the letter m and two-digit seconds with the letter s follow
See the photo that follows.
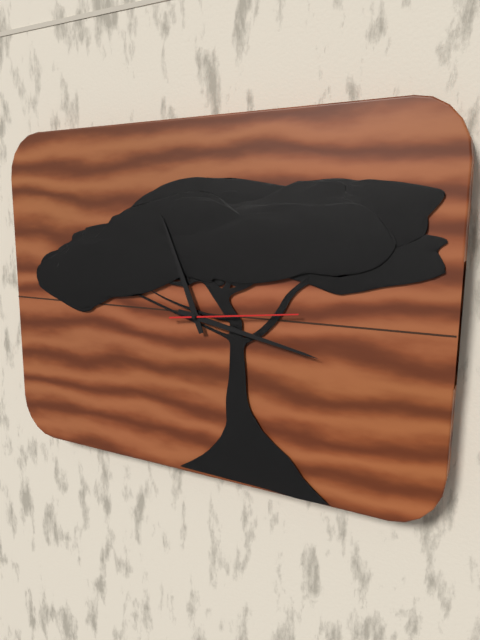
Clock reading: 11h17m14s
